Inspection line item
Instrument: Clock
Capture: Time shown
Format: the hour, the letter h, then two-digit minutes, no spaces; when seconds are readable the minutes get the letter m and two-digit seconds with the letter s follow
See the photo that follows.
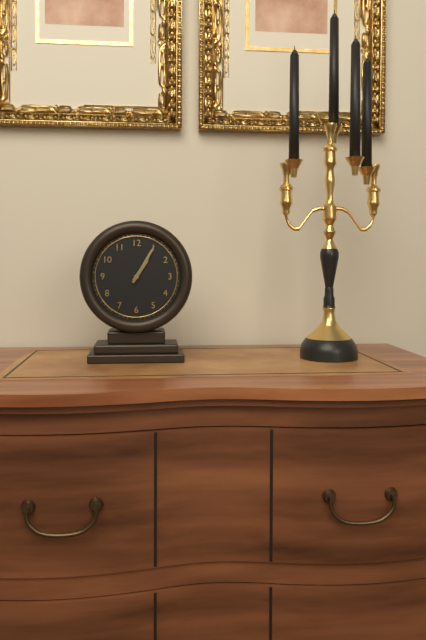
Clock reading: 1h05
